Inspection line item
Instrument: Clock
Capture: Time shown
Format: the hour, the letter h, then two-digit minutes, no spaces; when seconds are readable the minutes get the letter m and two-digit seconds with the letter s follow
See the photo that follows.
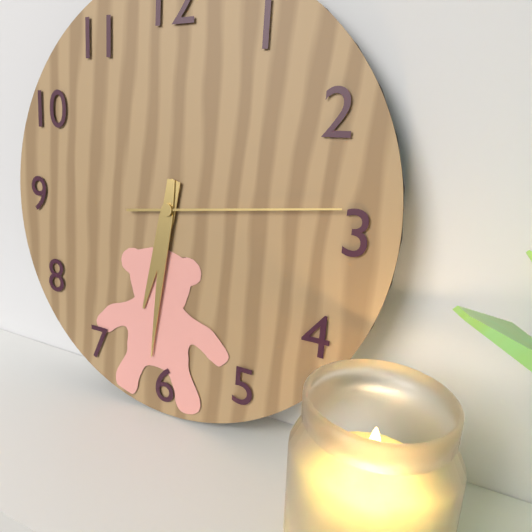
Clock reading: 6h31m14s
